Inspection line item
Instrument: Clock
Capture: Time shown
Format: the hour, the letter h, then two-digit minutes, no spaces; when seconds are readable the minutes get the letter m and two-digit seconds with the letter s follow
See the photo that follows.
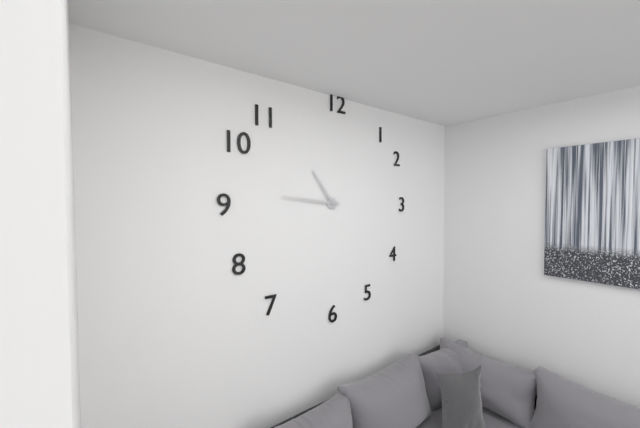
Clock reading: 10h46
